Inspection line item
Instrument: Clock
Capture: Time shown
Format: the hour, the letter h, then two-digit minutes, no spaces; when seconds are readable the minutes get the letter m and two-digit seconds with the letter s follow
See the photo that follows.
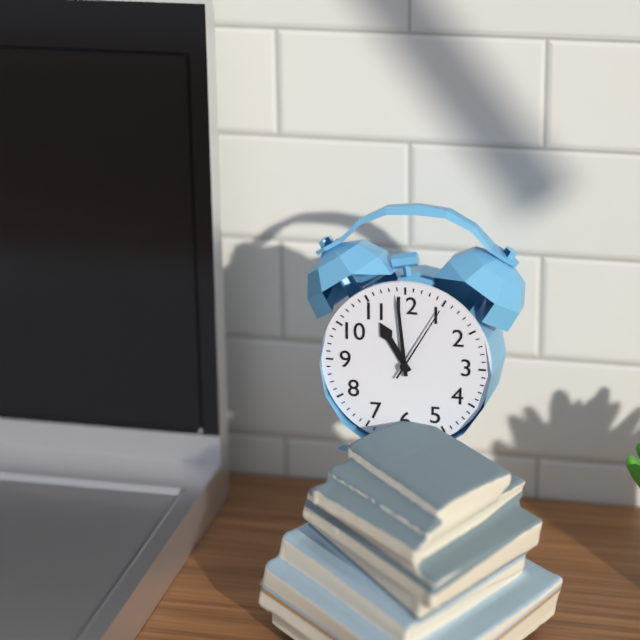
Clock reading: 10h59m05s
